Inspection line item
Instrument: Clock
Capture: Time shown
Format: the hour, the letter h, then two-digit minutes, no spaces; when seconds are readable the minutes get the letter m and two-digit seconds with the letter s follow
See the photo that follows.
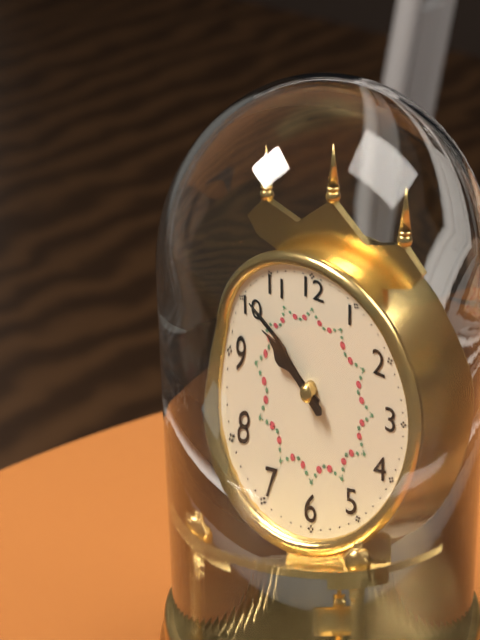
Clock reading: 9h51
